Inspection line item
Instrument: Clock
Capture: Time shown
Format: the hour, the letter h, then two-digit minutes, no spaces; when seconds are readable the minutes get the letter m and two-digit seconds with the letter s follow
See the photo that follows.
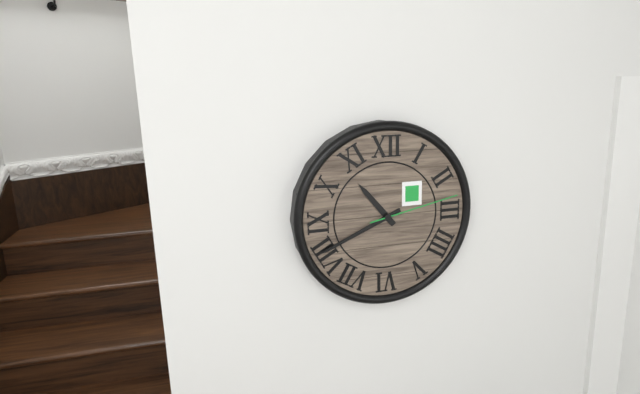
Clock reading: 10h41m13s
